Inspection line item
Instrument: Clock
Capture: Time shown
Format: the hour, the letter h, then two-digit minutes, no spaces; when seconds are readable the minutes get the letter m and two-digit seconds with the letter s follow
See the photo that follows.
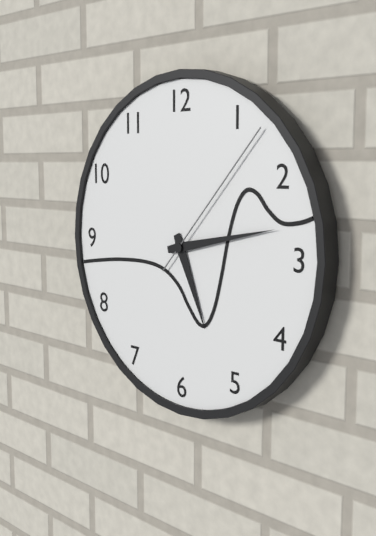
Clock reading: 5h13m07s
